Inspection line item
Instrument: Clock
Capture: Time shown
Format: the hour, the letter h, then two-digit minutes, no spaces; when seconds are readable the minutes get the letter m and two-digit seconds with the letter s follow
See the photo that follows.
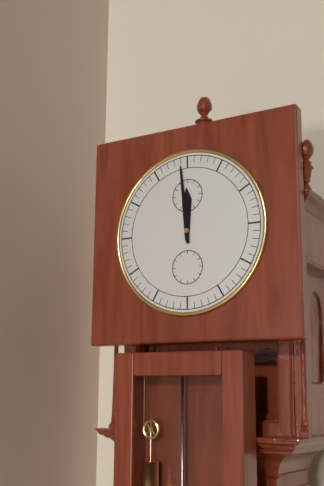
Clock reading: 11h59
